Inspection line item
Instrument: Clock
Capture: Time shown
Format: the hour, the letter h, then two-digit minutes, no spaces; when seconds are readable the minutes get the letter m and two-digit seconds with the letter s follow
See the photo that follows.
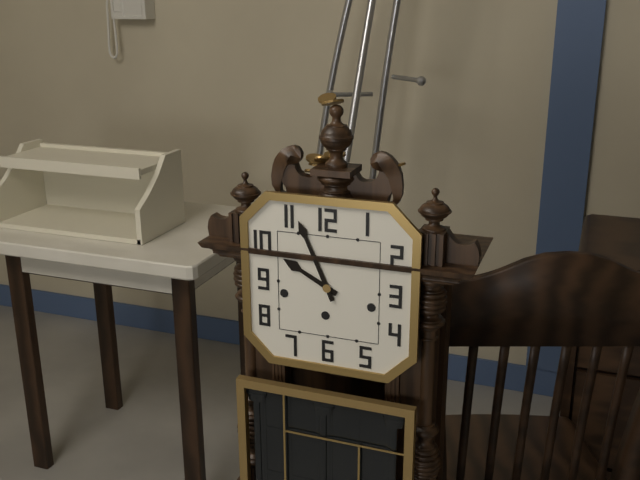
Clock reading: 9h56
